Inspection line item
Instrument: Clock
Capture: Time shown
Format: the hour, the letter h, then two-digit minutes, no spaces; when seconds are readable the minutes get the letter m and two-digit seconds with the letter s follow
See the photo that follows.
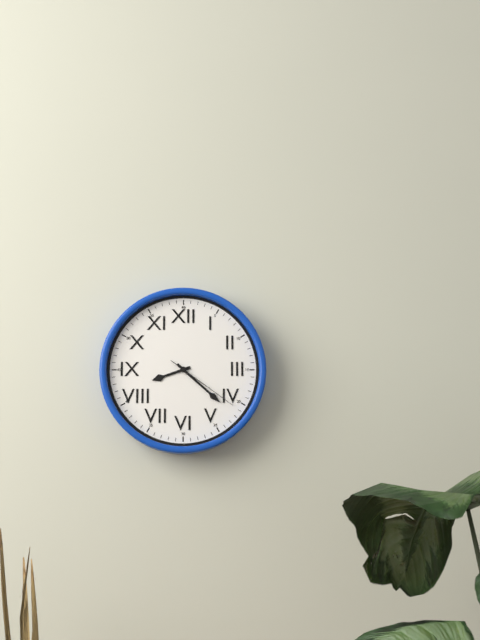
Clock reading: 8h22m21s
